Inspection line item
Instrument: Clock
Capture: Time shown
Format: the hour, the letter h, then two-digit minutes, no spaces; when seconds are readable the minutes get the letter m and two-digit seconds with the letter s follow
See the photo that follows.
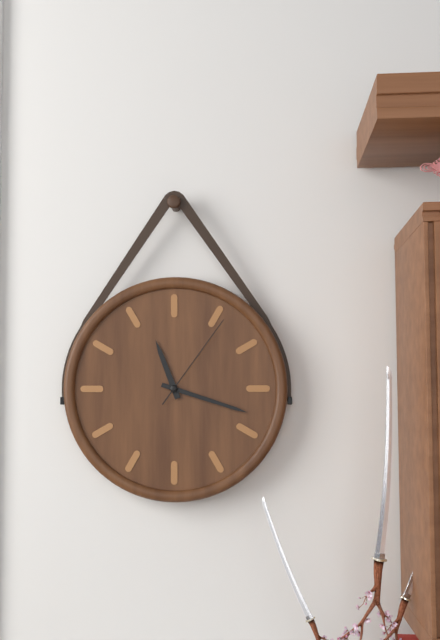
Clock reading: 11h18m06s
